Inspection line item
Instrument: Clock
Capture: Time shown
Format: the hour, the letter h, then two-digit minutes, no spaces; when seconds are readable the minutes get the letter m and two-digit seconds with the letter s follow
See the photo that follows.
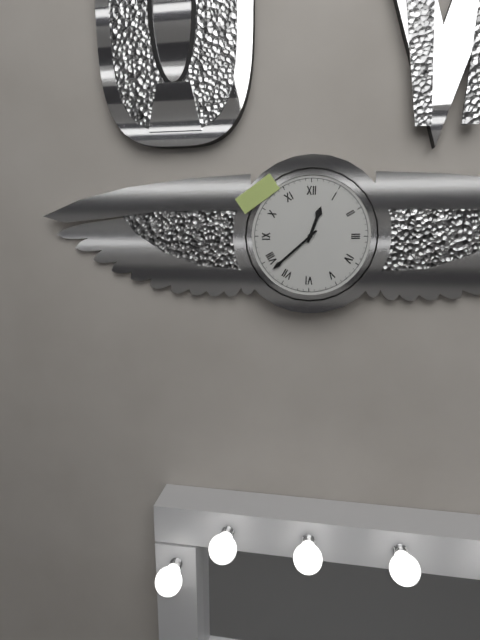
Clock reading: 12h38
